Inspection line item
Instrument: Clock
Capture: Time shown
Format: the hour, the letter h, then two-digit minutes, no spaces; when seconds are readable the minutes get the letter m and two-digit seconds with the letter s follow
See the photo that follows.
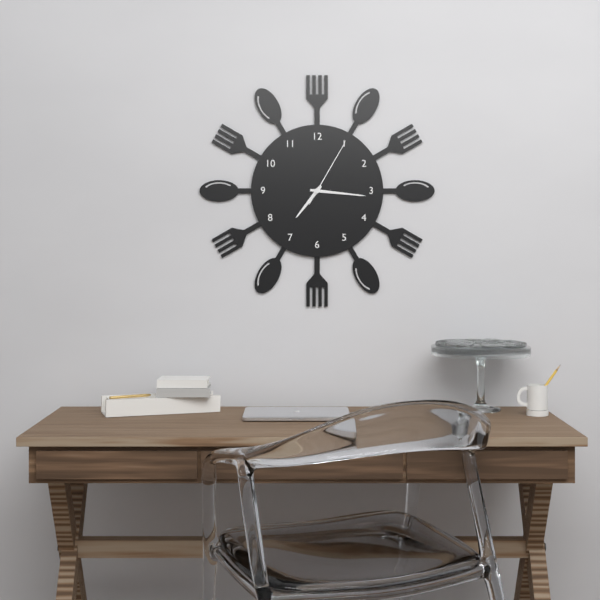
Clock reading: 7h16m05s
